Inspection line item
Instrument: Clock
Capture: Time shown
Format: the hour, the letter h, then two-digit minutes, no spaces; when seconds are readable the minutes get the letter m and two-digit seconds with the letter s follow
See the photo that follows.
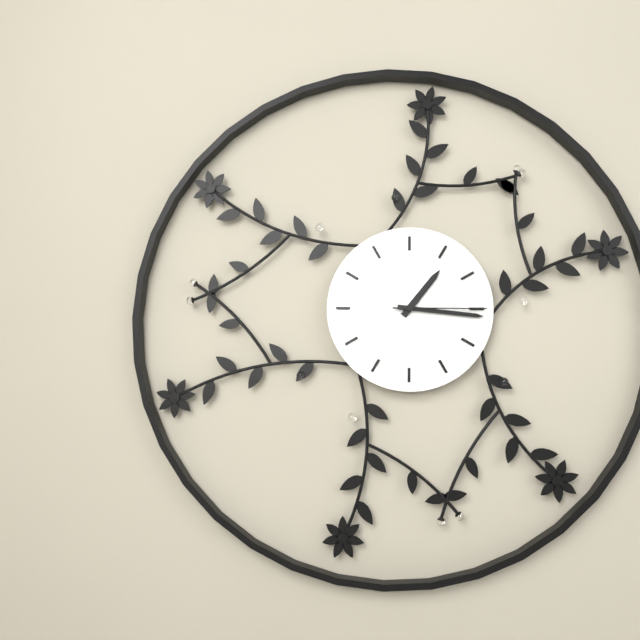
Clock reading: 1h16m15s
